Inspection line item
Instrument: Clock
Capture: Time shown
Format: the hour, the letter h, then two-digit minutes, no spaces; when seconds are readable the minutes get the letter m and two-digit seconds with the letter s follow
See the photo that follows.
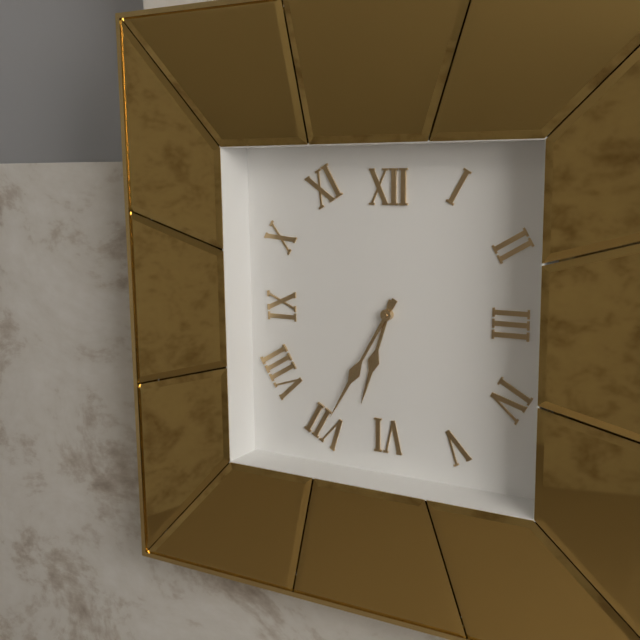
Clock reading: 6h35
